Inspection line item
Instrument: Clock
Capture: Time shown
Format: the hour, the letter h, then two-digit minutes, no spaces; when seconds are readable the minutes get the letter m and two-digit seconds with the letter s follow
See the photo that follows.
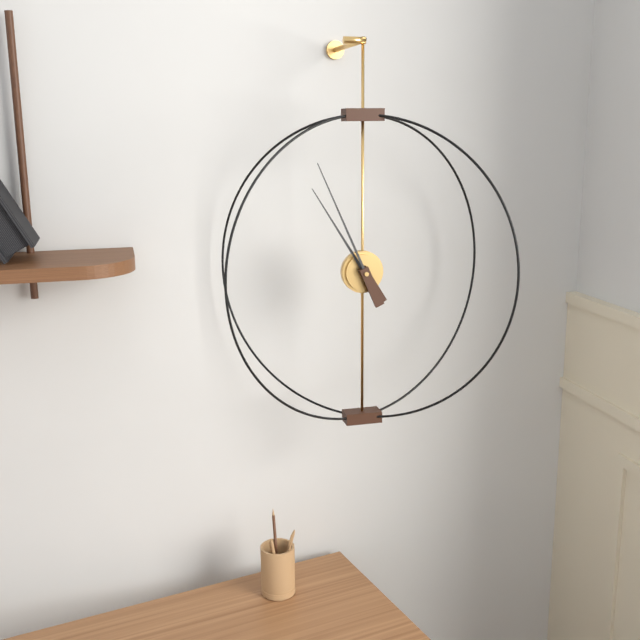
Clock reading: 10h56
